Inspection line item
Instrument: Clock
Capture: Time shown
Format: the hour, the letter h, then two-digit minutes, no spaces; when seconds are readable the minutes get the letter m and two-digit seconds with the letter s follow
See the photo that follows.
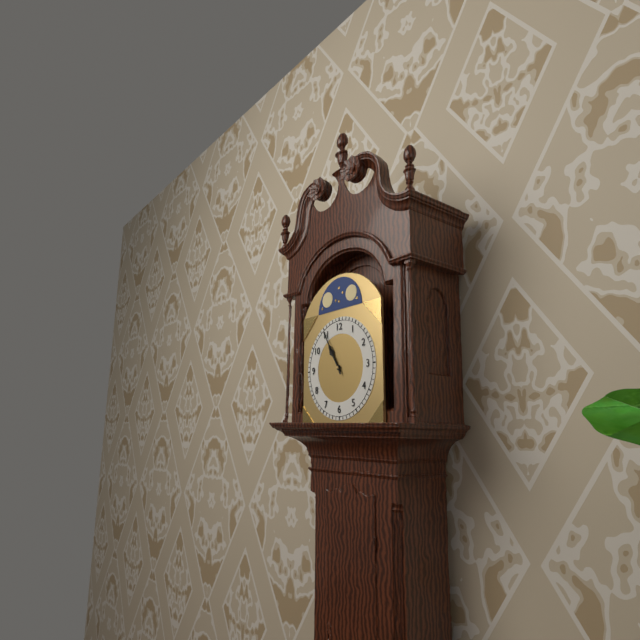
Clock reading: 10h55
